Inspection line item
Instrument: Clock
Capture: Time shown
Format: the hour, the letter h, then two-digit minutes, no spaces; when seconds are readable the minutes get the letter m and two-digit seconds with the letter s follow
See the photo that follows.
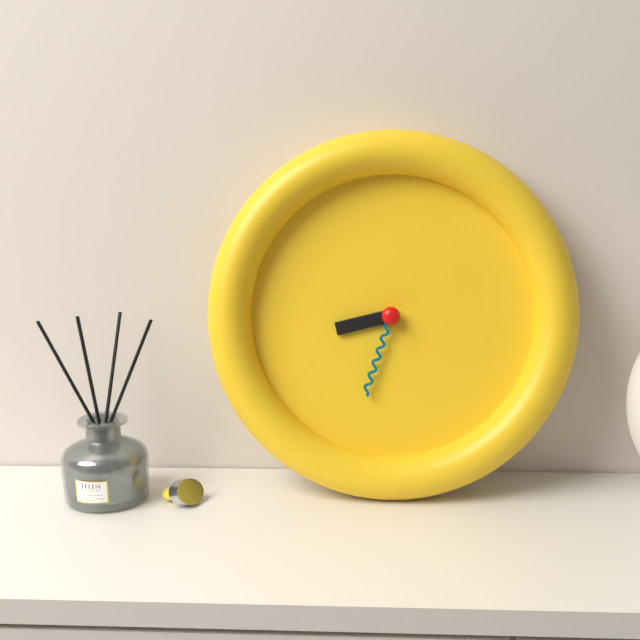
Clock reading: 8h33
